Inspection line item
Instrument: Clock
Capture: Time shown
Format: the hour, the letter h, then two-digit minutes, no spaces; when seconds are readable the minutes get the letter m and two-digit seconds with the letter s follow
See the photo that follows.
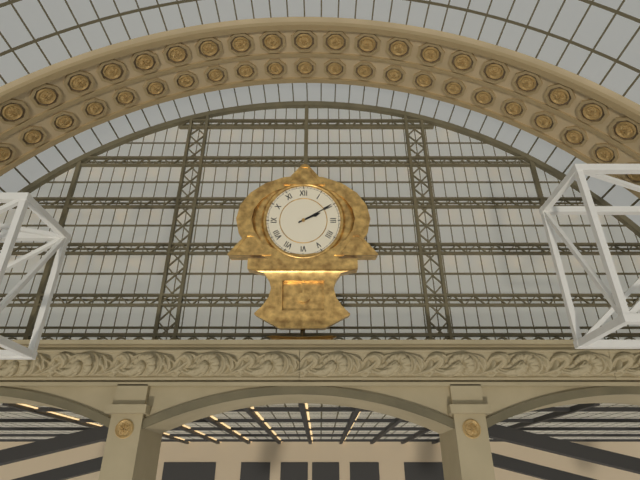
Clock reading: 2h10
